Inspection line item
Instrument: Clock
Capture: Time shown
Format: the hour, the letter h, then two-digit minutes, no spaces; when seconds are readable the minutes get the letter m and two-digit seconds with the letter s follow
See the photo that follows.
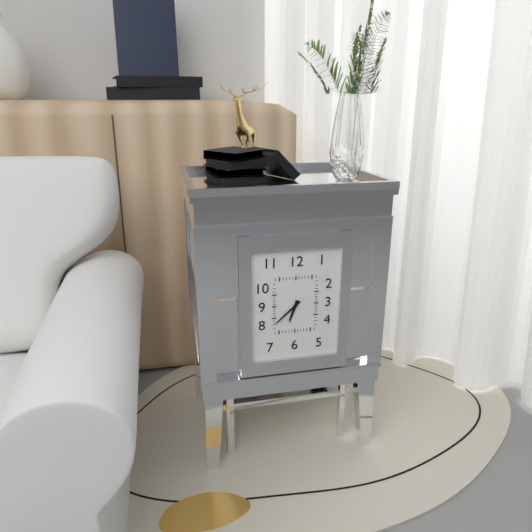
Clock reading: 6h38
